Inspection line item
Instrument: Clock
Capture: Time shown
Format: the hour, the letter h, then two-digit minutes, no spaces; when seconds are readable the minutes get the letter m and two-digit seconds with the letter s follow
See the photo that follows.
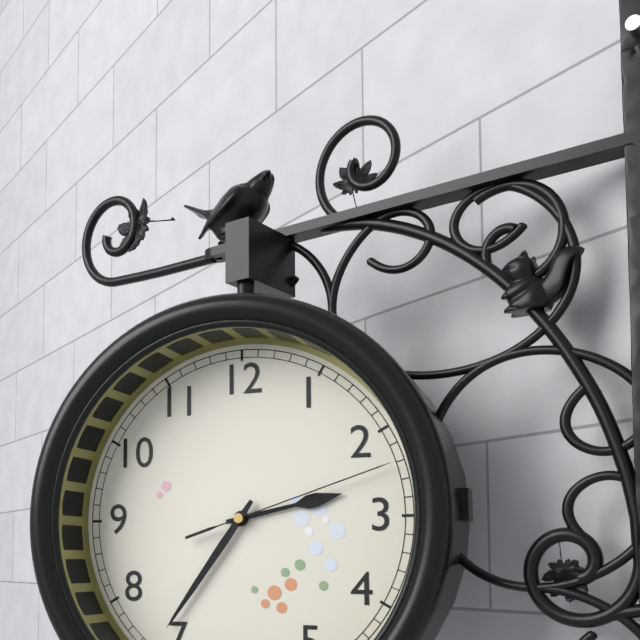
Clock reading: 2h36m12s
